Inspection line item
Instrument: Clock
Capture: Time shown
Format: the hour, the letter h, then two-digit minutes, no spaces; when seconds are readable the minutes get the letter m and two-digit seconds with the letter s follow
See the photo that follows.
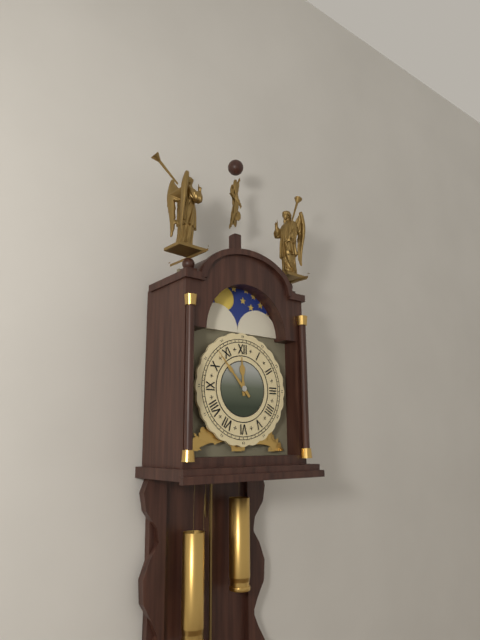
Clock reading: 11h53
